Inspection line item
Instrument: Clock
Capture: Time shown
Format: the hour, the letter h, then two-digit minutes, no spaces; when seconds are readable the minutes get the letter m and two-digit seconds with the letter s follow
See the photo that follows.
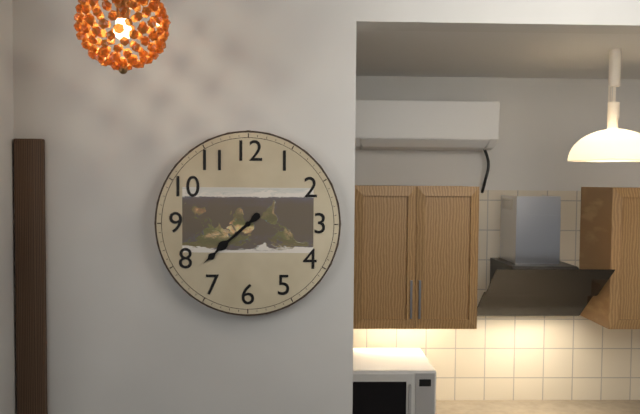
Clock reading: 7h38
